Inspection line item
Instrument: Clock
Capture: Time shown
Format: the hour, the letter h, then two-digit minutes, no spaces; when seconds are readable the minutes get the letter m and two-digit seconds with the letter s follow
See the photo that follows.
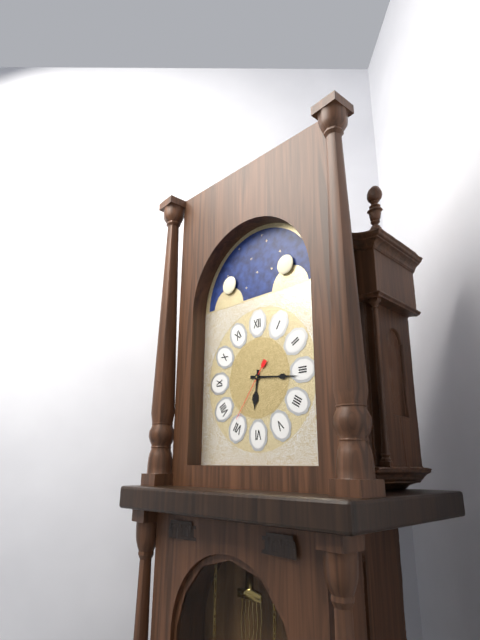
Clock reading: 6h16m36s
